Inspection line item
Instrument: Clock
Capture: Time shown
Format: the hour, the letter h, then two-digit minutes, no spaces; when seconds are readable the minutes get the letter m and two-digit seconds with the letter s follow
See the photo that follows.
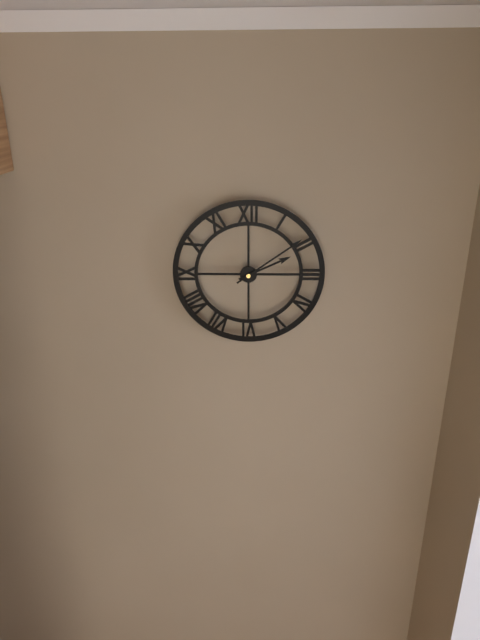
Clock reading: 2h09
